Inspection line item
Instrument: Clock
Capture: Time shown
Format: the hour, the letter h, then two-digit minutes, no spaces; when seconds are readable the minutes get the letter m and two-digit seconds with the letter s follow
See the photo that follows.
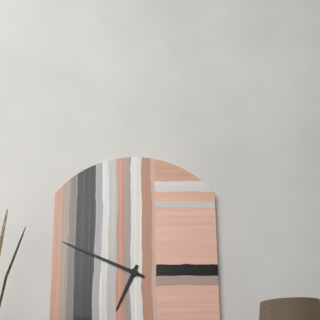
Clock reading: 6h49
